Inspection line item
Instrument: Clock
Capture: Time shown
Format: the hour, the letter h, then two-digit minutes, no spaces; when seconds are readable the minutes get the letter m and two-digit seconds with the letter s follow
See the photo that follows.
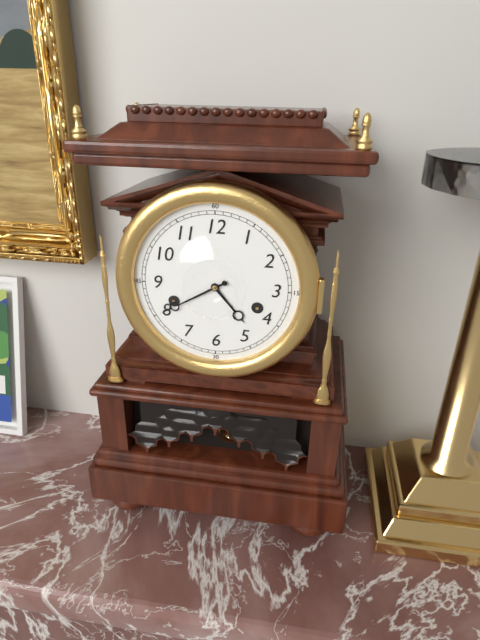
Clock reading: 4h40
